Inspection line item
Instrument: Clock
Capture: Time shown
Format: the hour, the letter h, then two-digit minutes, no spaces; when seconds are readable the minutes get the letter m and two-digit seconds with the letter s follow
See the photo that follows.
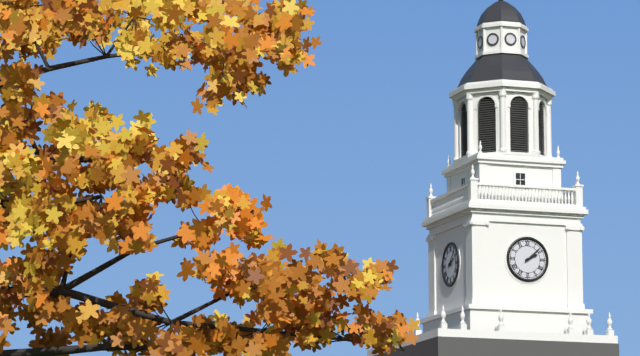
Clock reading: 2h08
